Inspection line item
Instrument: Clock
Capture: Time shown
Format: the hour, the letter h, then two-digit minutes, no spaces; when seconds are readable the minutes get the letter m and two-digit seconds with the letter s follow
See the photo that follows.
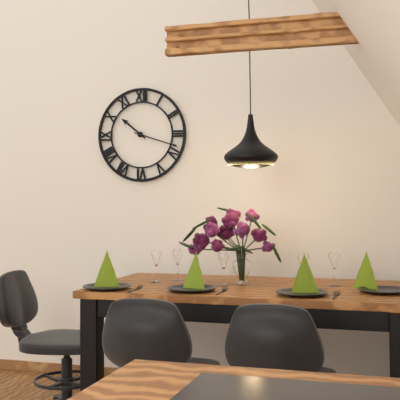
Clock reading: 10h18
